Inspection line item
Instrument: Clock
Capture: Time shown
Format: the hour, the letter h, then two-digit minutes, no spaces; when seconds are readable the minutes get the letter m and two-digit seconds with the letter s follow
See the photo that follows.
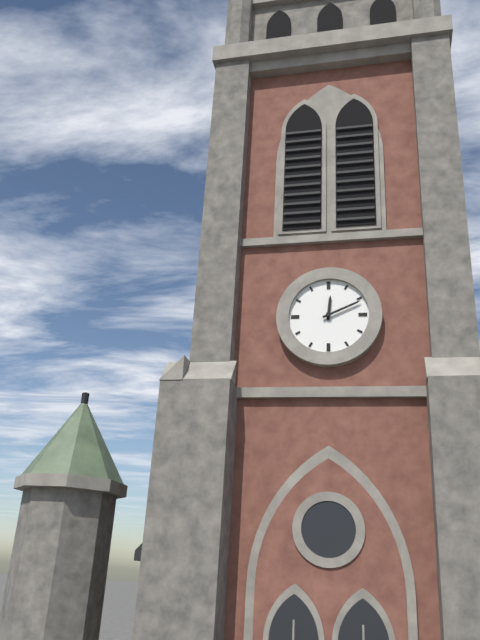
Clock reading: 12h11
